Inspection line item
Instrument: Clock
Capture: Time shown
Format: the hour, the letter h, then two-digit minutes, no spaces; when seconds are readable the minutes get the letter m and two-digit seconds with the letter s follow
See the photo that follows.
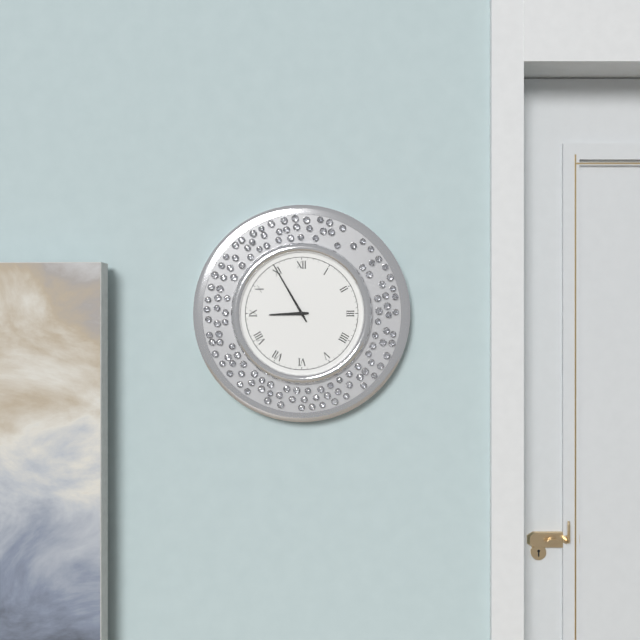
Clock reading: 8h55
